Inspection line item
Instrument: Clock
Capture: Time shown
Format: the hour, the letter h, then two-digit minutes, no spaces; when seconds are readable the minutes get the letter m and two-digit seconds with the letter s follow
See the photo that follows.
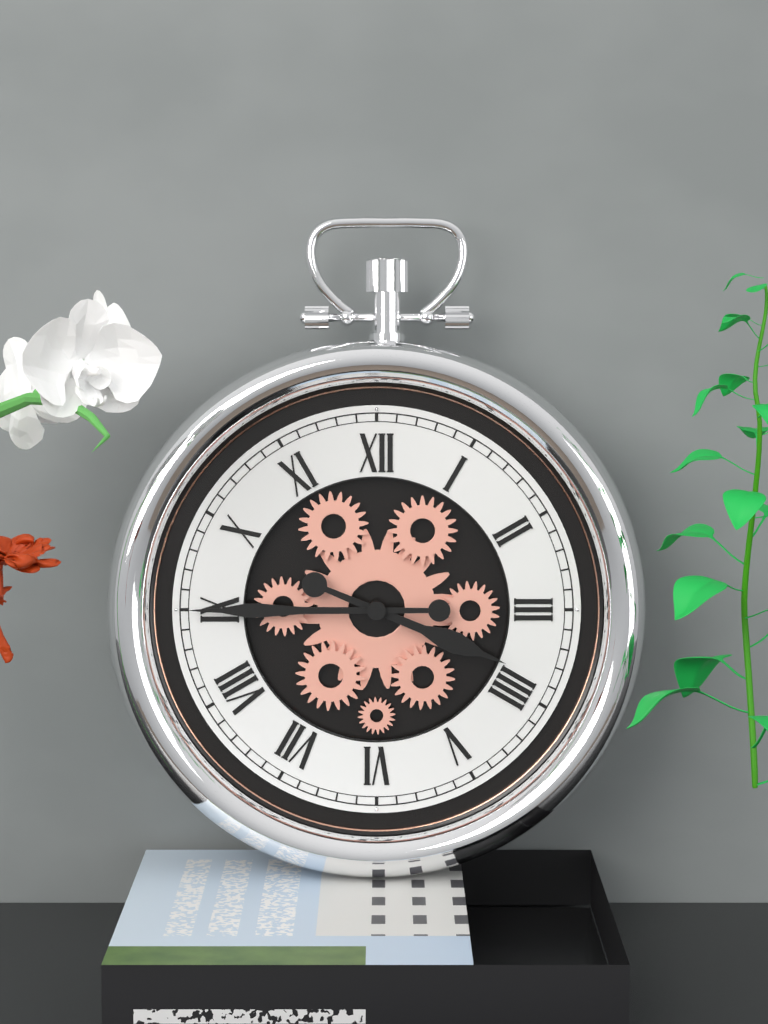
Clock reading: 3h45
